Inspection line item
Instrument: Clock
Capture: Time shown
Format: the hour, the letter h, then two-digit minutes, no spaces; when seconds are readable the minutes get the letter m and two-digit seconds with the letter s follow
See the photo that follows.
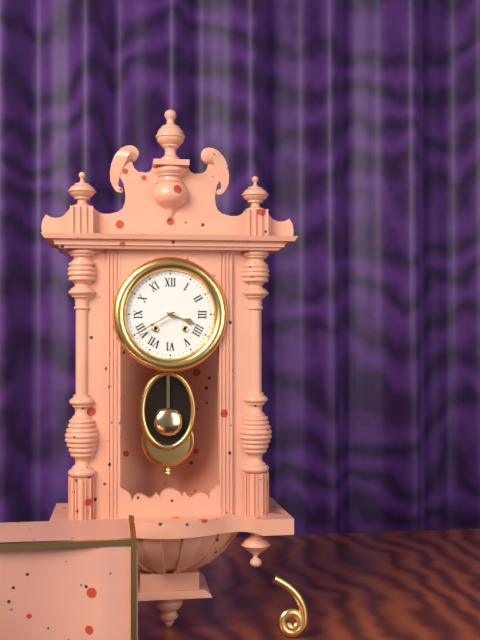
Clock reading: 3h40
